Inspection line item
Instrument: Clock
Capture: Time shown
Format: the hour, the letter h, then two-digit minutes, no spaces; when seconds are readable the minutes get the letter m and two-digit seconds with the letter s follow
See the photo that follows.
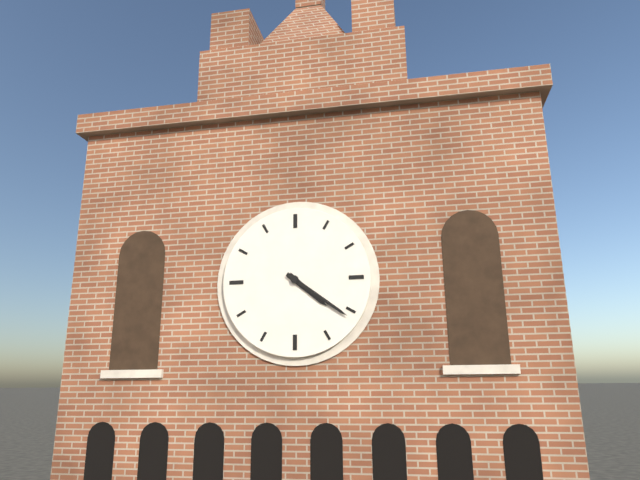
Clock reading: 4h21
